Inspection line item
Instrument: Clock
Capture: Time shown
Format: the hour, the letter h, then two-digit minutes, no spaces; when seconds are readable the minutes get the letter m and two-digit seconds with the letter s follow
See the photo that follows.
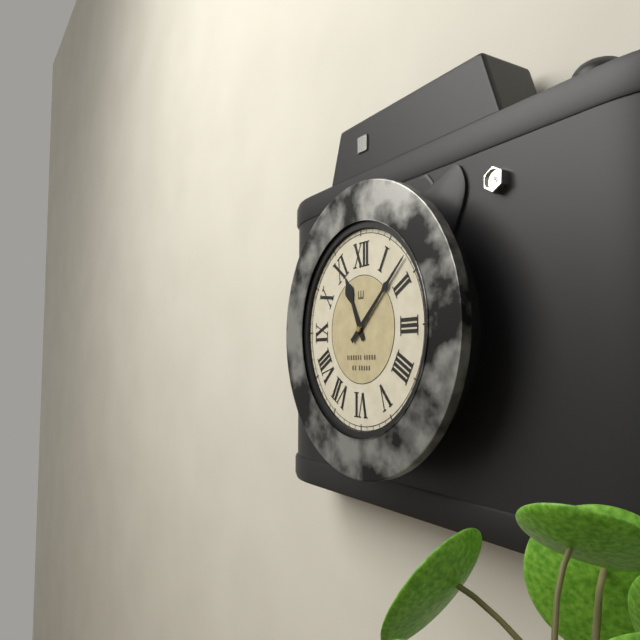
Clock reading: 11h08
